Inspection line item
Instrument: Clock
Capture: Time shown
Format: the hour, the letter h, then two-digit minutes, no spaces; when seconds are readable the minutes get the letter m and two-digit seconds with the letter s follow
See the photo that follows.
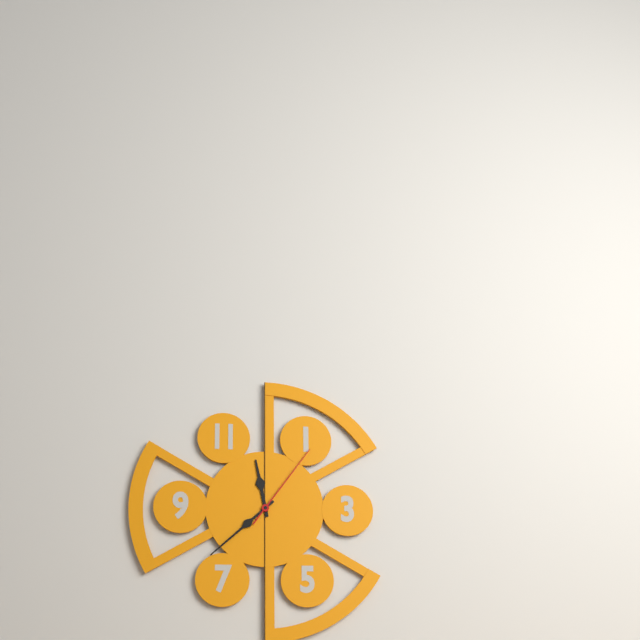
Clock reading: 11h38m06s
